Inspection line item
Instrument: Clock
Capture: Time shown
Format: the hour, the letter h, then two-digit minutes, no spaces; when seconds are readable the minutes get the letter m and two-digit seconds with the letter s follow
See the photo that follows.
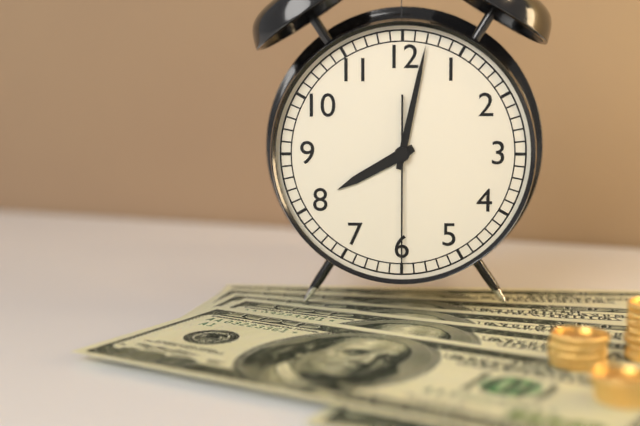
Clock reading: 8h02m30s
